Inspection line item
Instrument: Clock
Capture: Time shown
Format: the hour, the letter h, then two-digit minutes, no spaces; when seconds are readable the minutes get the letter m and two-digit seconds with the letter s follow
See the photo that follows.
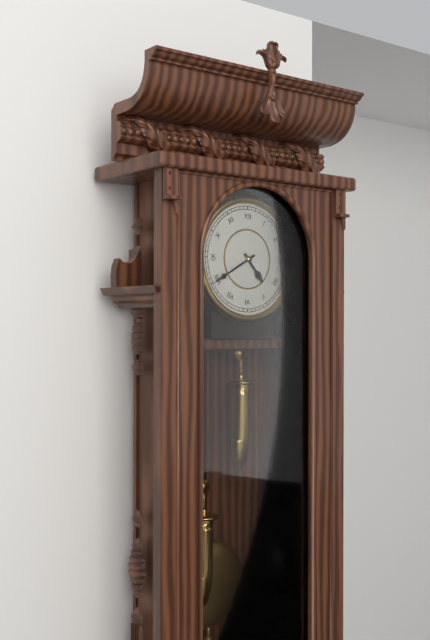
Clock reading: 4h40
